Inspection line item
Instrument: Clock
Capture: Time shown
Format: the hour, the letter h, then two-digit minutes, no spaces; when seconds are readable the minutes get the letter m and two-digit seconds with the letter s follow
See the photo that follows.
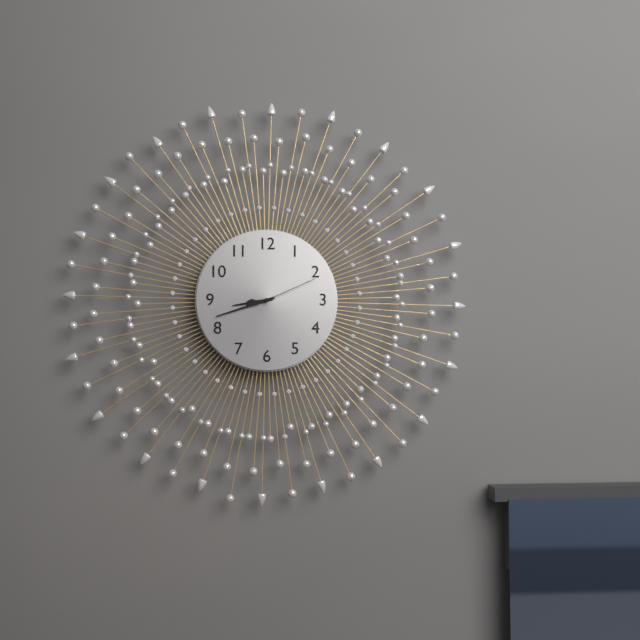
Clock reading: 8h42m11s
